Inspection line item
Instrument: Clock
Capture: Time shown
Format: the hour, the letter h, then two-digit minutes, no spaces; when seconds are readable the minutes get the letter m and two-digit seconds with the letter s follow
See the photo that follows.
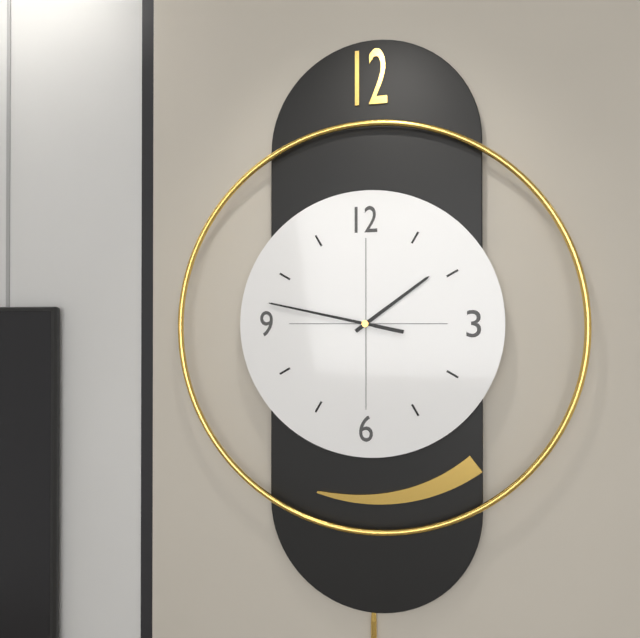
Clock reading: 1h47m47s
